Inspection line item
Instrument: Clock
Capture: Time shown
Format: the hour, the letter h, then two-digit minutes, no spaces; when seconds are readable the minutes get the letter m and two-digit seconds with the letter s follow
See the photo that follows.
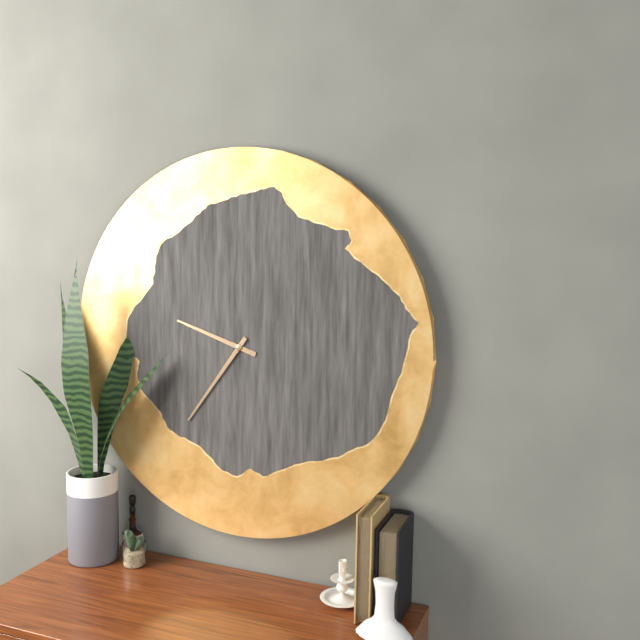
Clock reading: 9h36
